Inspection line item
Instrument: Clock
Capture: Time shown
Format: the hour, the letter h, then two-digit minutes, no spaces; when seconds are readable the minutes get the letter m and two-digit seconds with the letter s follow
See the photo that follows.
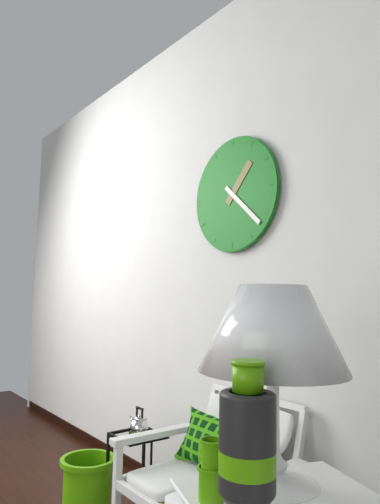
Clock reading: 1h22
